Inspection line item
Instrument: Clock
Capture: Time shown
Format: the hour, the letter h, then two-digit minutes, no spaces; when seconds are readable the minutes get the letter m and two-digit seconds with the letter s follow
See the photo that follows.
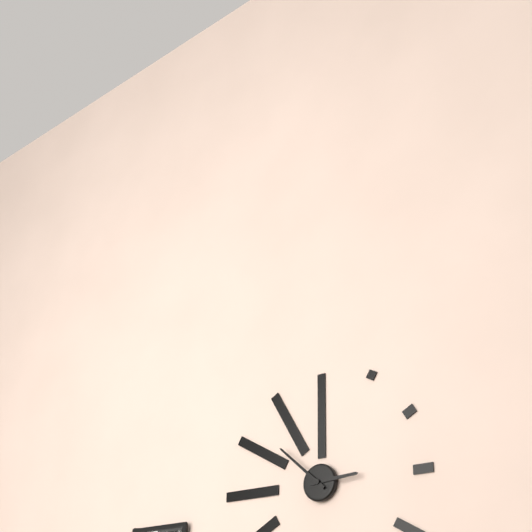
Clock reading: 2h52
